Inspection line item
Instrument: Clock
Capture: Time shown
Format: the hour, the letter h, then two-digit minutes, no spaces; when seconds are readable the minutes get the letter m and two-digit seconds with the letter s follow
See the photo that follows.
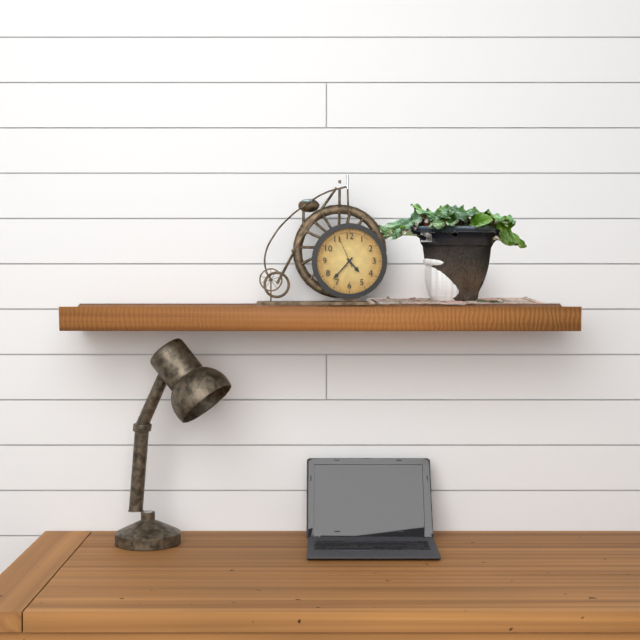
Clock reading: 4h37
